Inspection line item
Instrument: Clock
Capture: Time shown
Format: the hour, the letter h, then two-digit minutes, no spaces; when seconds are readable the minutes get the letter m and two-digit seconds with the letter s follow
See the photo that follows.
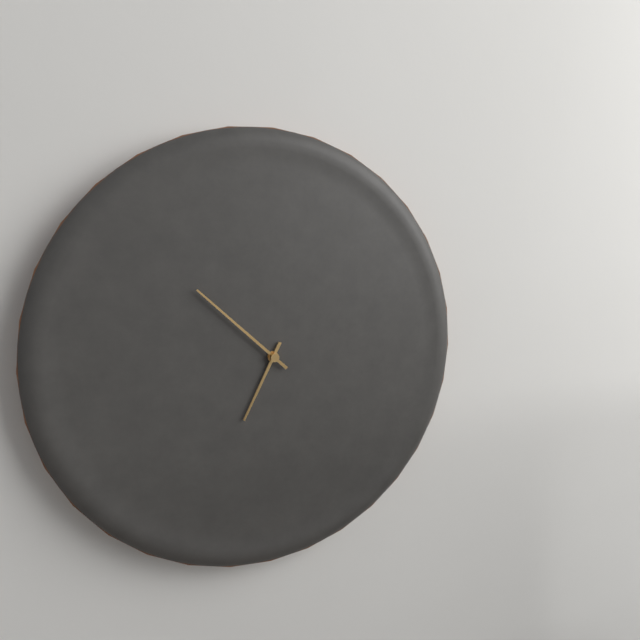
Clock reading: 6h52
